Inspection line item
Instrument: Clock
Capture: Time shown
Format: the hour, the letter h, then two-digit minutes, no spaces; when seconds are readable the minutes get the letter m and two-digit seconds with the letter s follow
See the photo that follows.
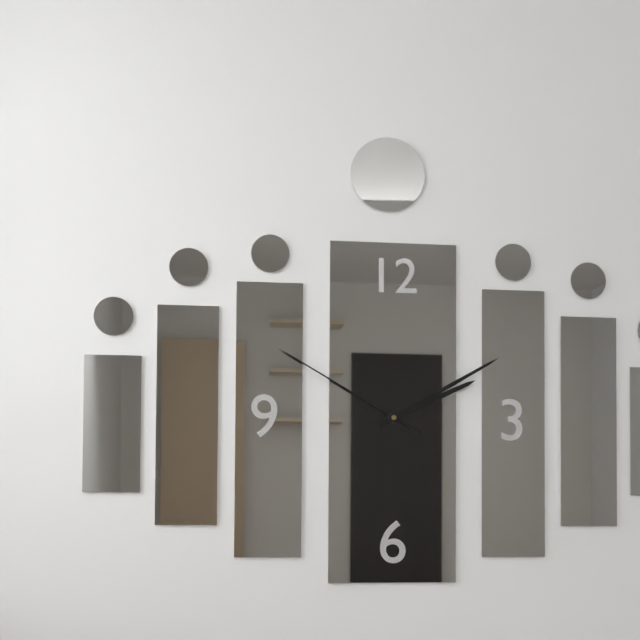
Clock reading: 2h10m50s
